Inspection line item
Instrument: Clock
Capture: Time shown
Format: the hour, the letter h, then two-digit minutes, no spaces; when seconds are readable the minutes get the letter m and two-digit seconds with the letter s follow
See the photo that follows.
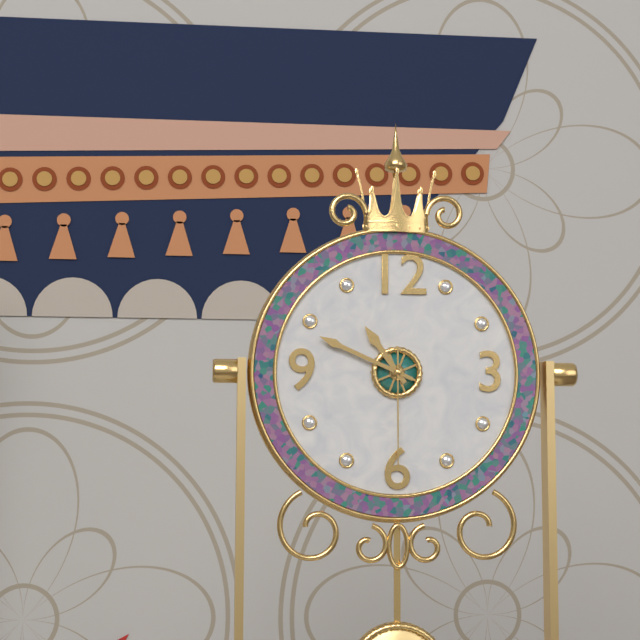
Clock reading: 10h49m30s
